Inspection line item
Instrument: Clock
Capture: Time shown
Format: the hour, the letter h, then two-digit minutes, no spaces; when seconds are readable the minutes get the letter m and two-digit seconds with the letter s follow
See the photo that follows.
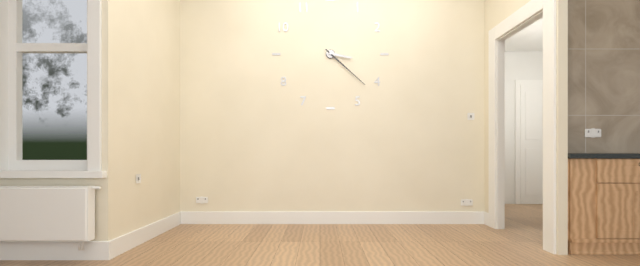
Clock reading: 3h22
